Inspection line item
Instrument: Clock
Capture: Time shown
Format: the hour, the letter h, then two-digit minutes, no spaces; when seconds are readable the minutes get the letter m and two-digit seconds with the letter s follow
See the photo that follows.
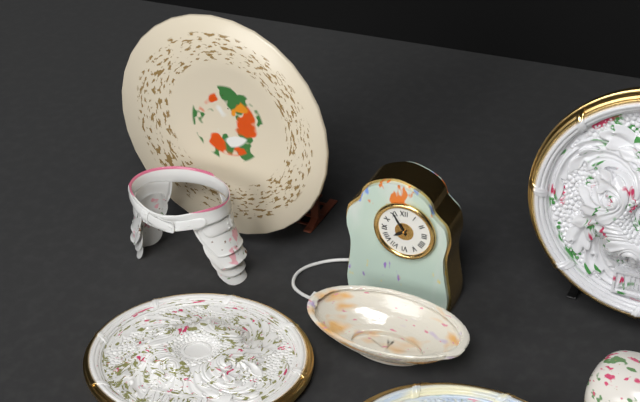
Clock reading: 7h55
